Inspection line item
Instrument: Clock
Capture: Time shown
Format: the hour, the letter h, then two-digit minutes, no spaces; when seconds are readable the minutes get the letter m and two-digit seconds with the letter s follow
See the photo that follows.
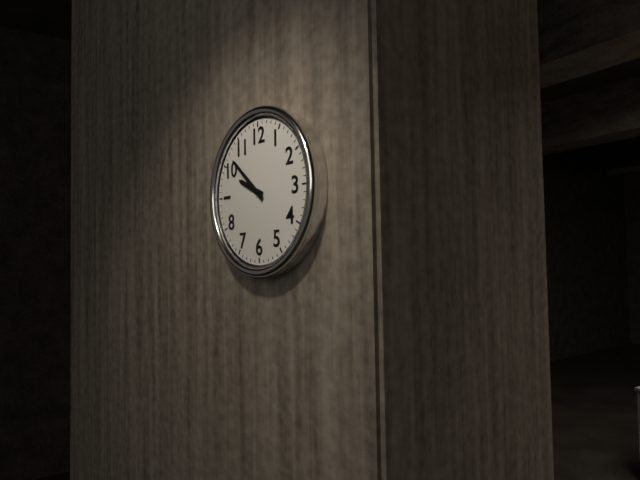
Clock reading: 9h52
